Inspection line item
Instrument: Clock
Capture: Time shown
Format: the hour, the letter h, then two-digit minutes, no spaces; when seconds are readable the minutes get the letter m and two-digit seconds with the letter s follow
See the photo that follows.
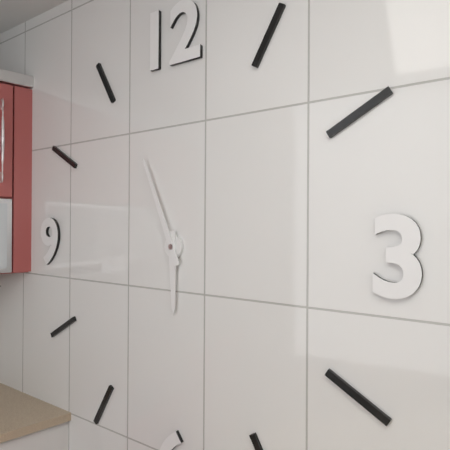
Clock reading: 5h56
